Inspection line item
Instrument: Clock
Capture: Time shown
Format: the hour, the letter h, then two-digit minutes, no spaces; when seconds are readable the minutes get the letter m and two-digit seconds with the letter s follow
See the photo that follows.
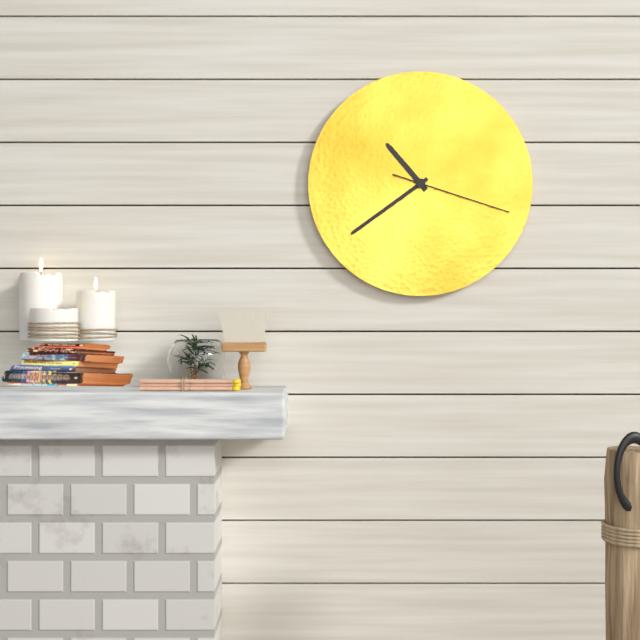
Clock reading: 10h39m18s
